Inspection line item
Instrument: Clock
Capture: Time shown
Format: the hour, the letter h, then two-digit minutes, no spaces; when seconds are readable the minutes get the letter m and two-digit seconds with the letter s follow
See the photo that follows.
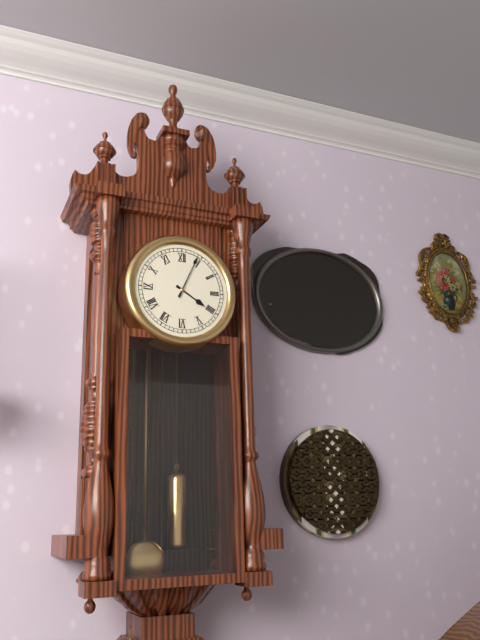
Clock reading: 4h04
